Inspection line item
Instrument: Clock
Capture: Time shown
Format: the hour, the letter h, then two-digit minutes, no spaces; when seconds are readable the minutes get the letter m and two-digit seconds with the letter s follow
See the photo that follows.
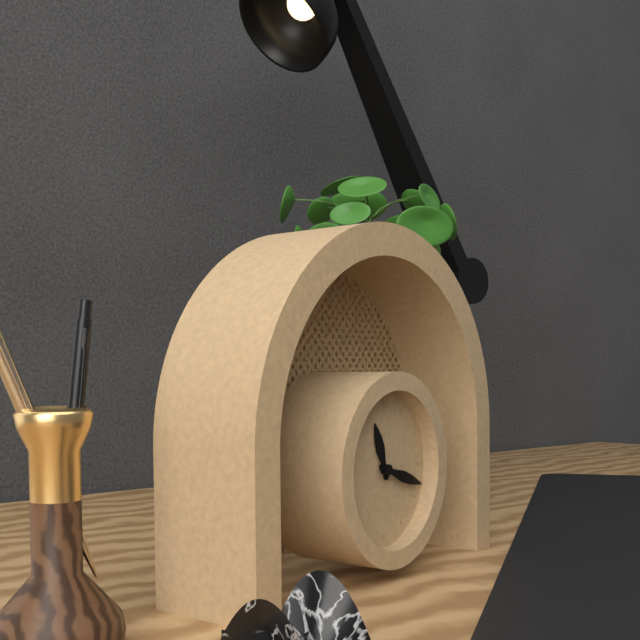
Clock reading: 11h18
